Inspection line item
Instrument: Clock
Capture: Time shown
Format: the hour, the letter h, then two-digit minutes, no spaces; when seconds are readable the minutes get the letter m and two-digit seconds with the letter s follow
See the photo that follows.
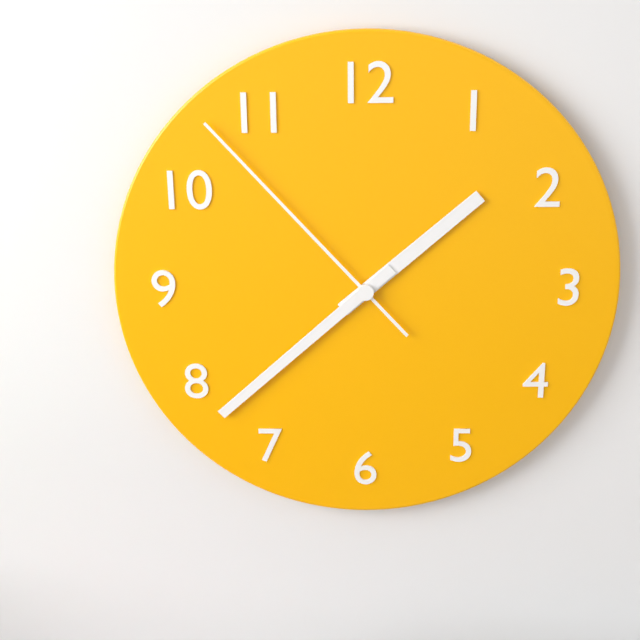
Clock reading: 1h38m53s
